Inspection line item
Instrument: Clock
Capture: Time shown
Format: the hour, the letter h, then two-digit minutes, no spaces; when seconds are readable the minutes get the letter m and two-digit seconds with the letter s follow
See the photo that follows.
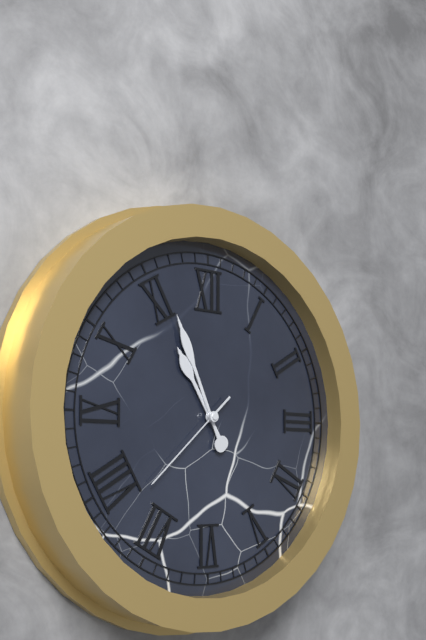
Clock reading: 10h56m38s
